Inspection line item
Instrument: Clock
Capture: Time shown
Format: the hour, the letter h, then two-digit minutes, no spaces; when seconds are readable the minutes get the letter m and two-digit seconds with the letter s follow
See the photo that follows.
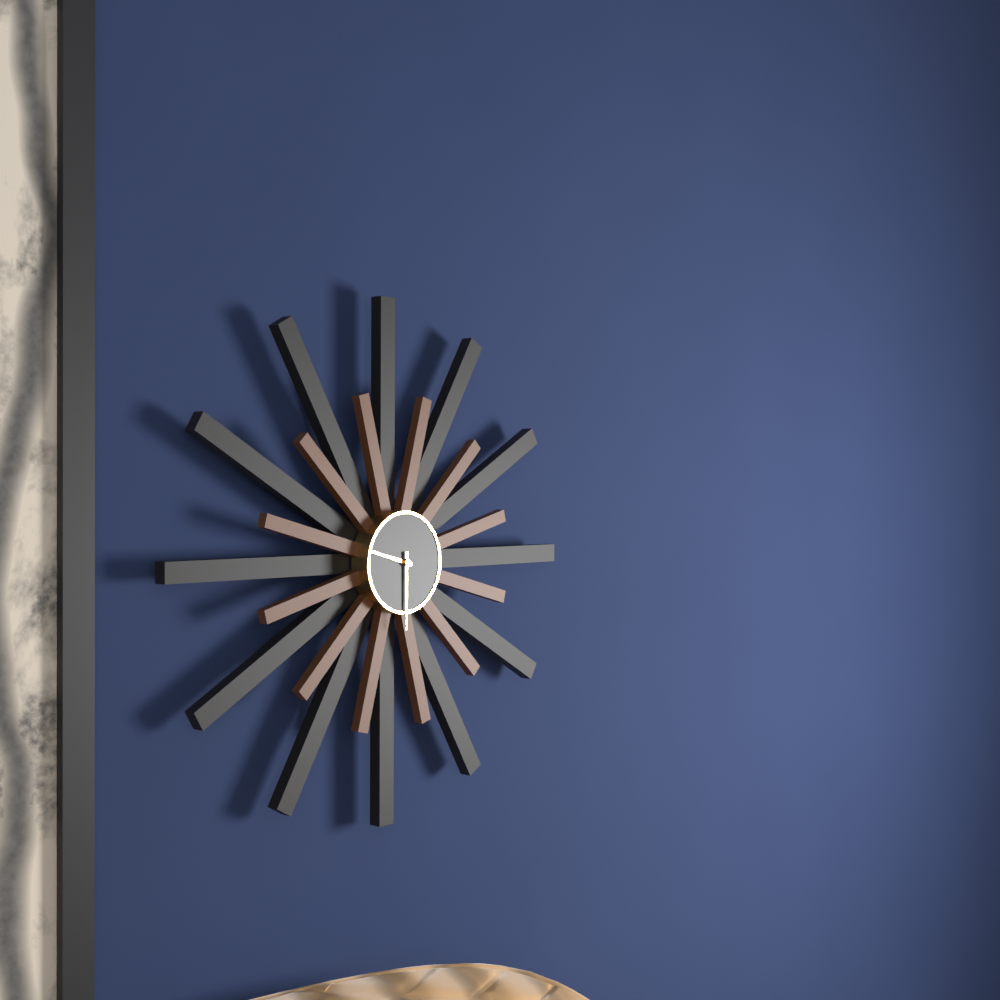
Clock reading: 9h30
